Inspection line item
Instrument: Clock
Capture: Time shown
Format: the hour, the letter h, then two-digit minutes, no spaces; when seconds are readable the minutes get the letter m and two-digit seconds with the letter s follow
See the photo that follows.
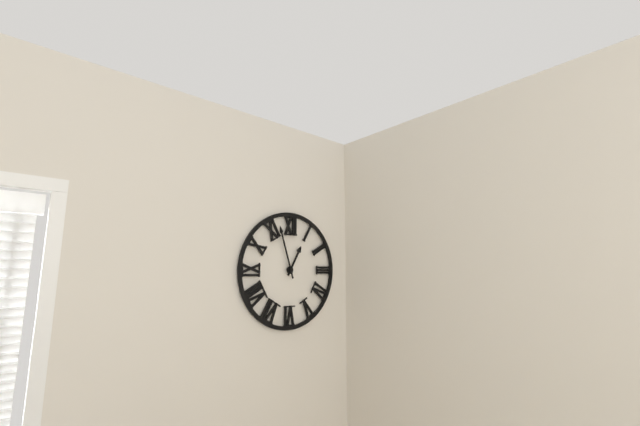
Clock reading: 12h57
